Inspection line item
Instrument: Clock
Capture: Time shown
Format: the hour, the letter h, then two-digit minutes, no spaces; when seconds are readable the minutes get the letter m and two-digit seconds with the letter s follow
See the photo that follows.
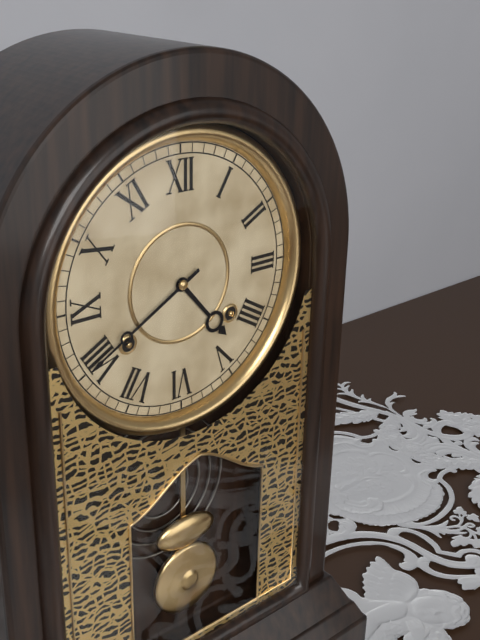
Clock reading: 4h40
